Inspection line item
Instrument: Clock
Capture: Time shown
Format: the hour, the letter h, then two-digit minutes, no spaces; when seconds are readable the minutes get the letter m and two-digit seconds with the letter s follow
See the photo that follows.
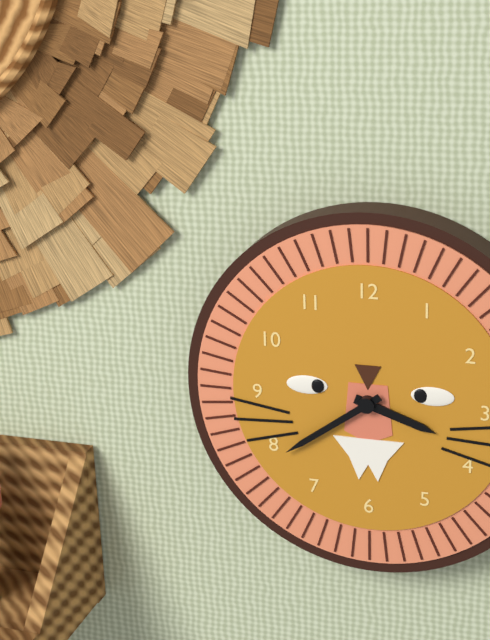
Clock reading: 3h39
